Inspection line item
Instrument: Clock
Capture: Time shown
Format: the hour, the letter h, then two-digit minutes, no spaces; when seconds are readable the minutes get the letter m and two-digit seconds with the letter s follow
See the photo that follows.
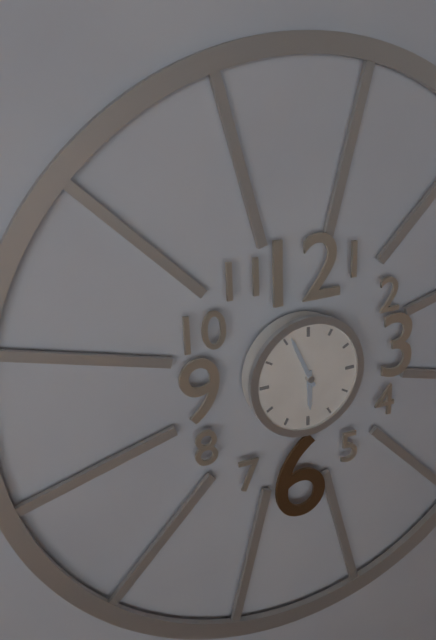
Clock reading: 5h56
